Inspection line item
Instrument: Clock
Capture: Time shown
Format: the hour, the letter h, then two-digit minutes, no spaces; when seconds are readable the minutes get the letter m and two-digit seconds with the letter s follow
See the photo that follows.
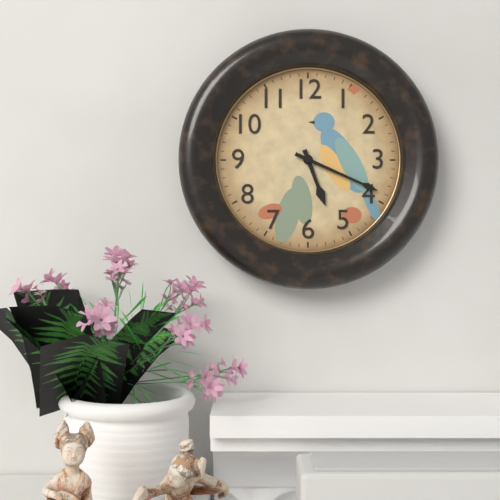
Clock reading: 5h19
